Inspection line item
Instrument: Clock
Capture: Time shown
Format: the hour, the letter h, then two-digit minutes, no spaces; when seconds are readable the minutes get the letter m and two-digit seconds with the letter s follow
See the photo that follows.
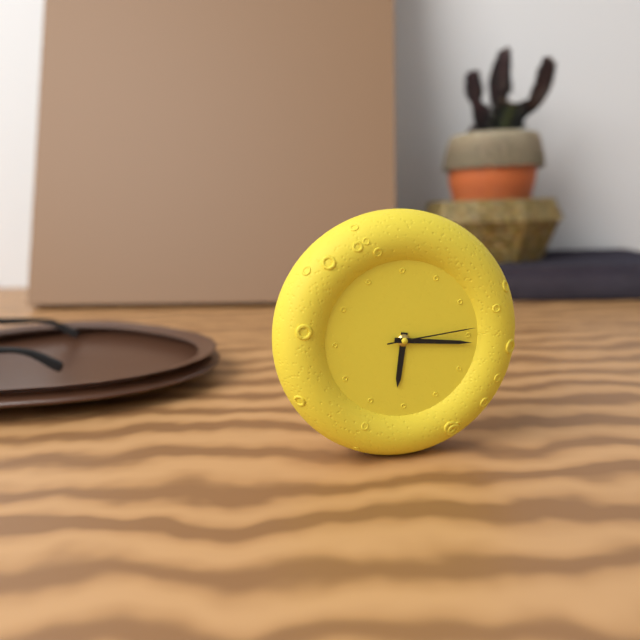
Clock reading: 6h16m14s
